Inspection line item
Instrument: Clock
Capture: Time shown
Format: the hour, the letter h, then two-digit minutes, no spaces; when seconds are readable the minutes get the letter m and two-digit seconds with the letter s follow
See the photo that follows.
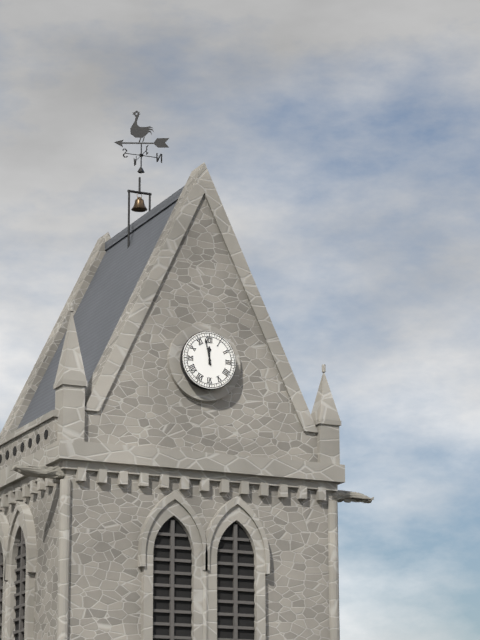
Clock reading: 11h58
